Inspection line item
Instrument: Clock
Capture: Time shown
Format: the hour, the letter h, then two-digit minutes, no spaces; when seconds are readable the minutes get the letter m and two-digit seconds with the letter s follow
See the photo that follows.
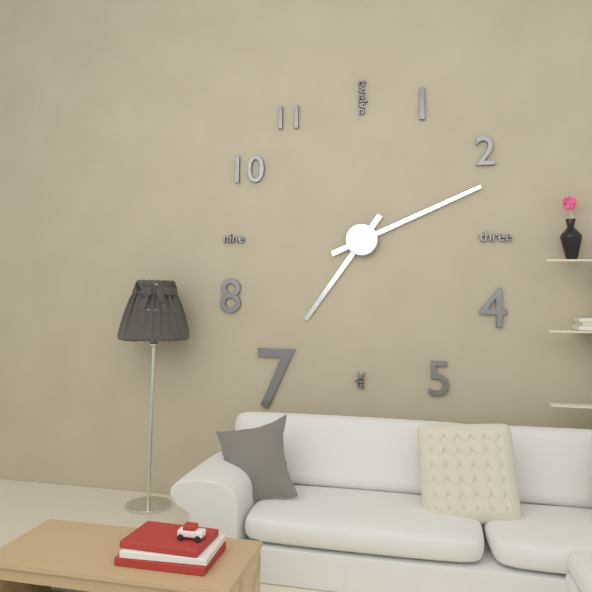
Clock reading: 7h11
